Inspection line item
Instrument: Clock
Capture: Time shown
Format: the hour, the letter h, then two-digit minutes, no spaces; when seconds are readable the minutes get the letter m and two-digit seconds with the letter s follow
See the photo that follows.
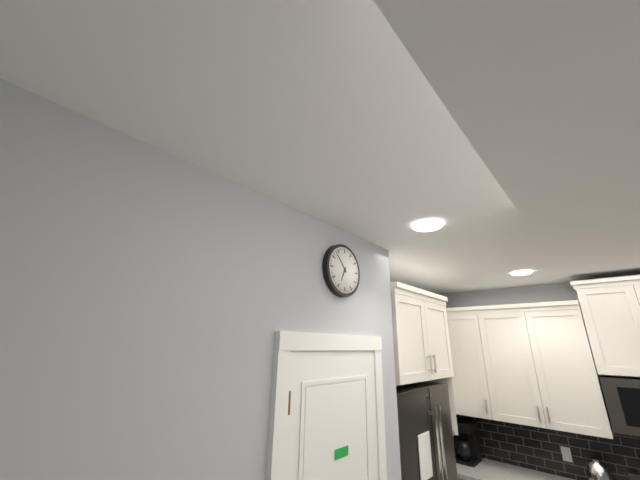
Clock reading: 6h53
